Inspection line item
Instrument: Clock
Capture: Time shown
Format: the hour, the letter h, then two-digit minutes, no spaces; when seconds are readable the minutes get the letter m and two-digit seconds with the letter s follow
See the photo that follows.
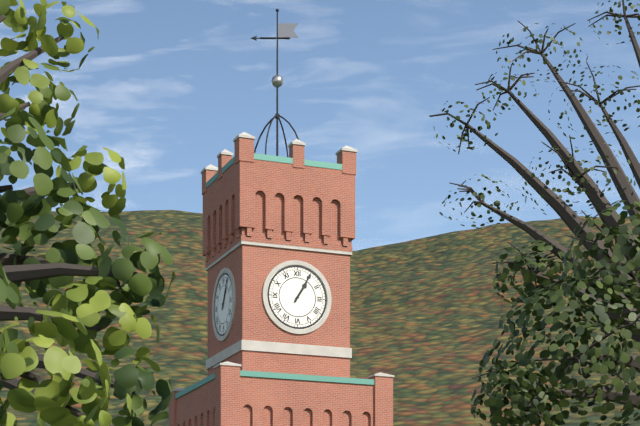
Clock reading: 1h05
